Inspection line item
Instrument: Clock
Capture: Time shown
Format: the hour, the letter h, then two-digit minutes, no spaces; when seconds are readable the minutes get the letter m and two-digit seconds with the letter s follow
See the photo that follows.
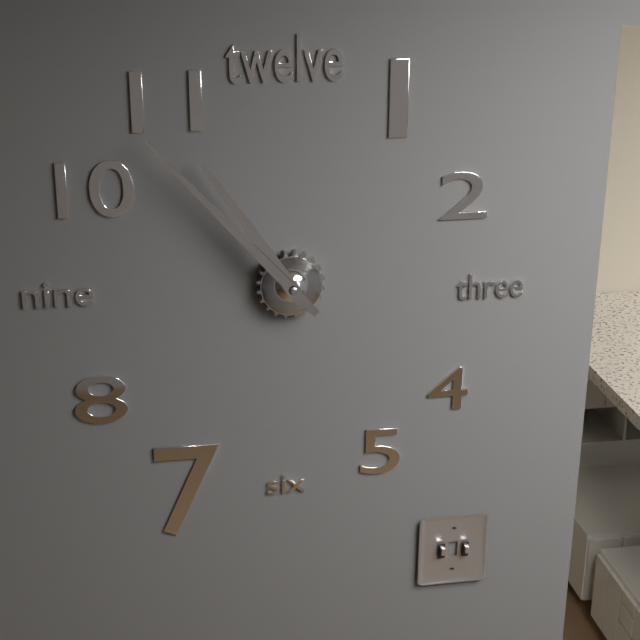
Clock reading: 10h53
